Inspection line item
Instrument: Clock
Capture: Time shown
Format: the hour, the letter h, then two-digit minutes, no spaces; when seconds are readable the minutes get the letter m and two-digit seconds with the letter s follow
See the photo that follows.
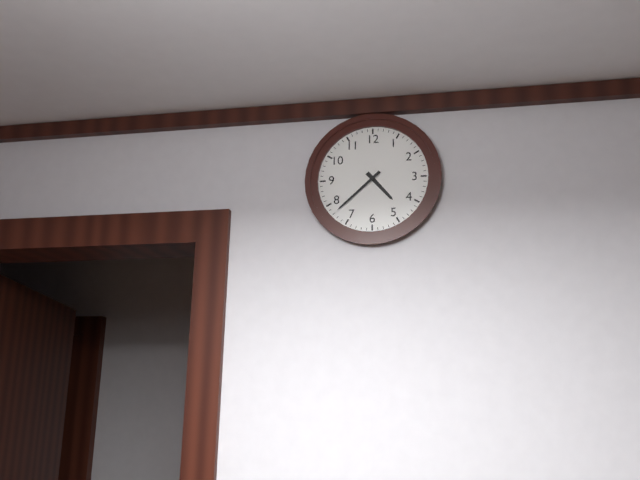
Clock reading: 4h38
